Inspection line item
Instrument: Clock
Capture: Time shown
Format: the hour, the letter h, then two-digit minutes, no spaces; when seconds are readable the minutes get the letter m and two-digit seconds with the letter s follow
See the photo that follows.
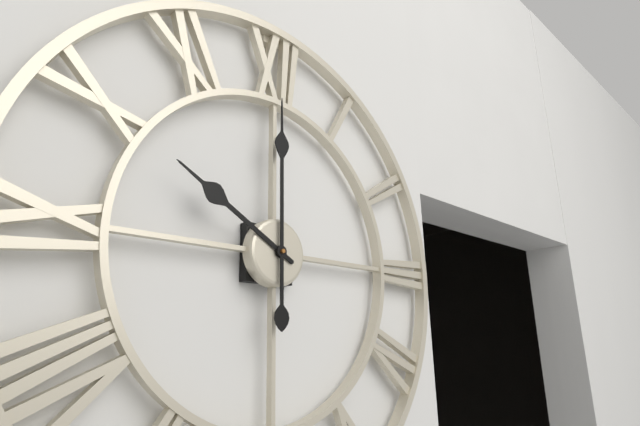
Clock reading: 10h00
